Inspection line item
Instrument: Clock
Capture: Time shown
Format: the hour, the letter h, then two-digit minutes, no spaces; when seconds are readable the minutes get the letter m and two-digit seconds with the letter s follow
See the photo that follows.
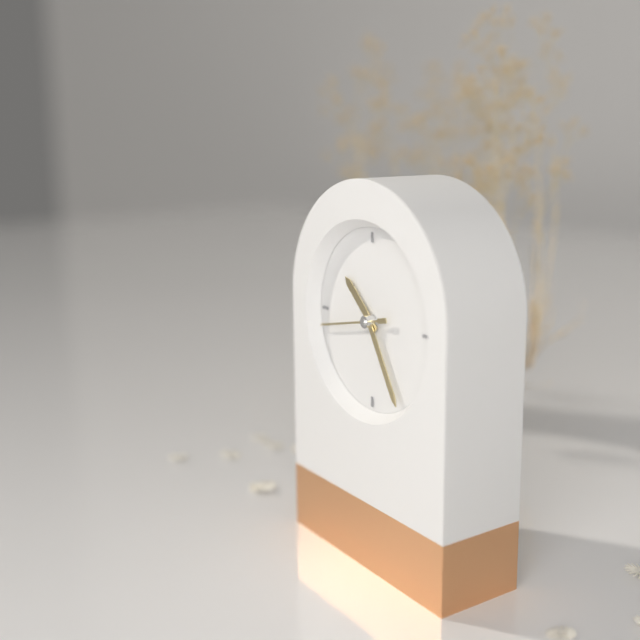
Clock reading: 10h25m43s
